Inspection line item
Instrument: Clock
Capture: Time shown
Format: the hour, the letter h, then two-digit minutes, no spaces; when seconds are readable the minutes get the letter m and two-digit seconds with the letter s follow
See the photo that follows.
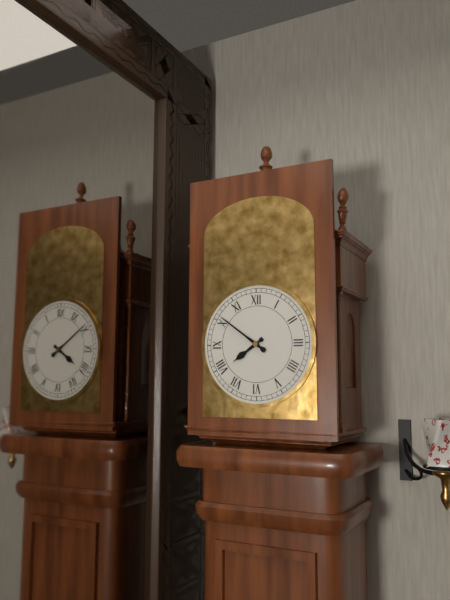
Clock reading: 7h51
